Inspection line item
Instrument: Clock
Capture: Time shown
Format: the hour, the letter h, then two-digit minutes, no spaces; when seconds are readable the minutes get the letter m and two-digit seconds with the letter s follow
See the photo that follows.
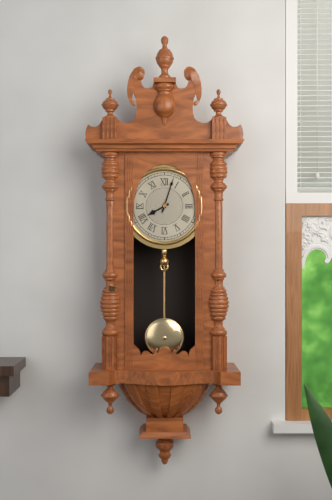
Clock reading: 8h03
